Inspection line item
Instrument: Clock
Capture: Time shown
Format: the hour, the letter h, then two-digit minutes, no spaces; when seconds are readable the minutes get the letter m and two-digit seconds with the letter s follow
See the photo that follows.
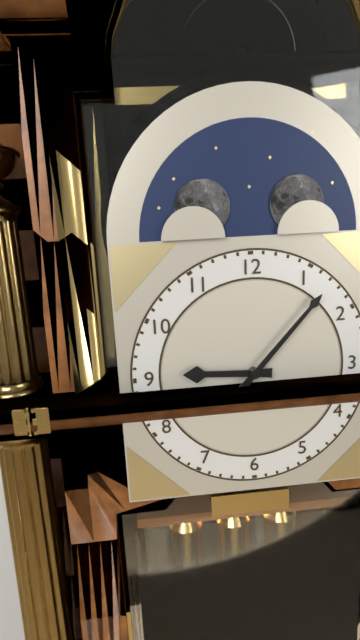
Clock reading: 9h07
